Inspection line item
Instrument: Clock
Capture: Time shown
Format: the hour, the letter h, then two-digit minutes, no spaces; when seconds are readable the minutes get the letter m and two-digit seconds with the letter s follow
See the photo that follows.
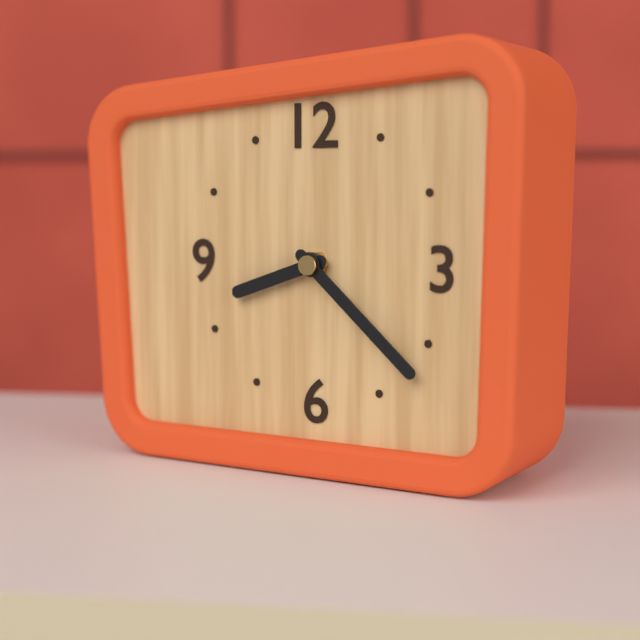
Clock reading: 8h22
